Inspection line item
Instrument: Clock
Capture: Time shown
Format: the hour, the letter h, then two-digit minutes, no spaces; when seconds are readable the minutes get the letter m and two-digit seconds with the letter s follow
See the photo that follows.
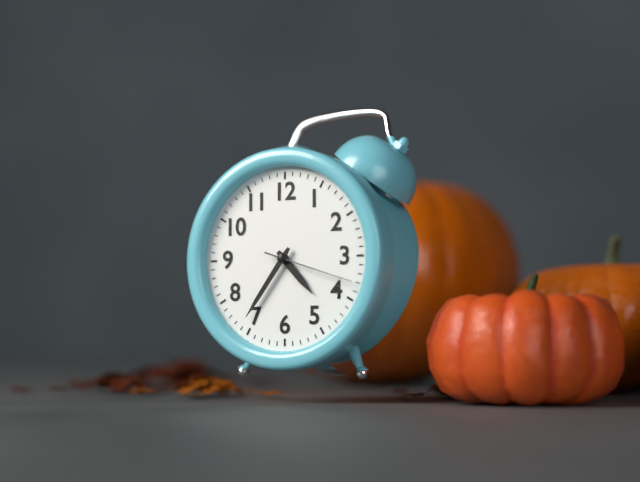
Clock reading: 4h36m18s
